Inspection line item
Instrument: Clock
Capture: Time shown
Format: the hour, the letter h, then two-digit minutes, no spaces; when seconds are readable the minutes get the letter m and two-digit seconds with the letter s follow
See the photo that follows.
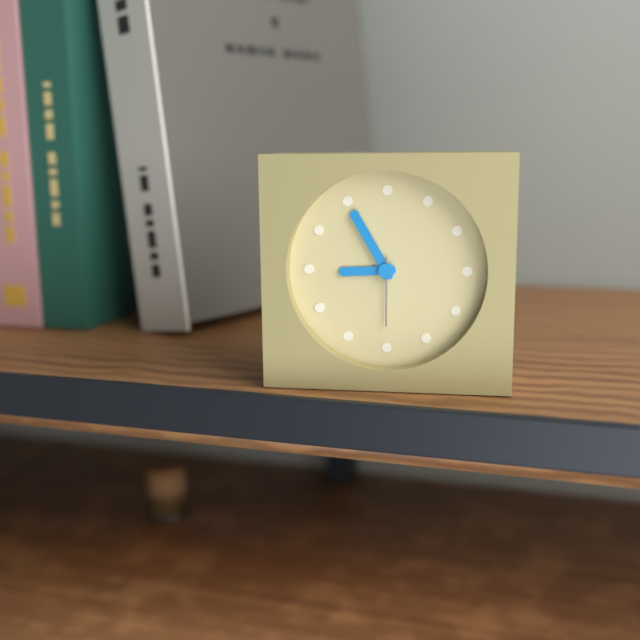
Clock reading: 8h55m30s
